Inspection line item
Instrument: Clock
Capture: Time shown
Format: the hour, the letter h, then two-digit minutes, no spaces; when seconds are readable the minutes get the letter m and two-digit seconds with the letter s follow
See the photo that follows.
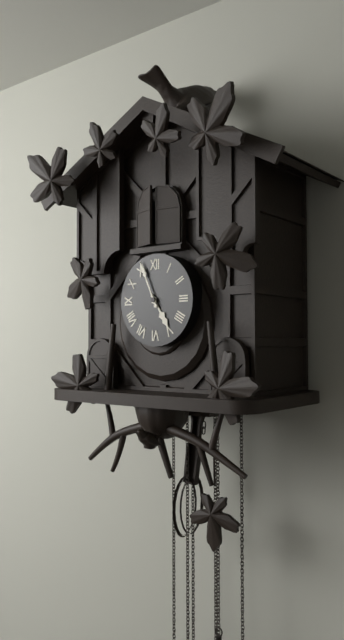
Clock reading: 4h56
